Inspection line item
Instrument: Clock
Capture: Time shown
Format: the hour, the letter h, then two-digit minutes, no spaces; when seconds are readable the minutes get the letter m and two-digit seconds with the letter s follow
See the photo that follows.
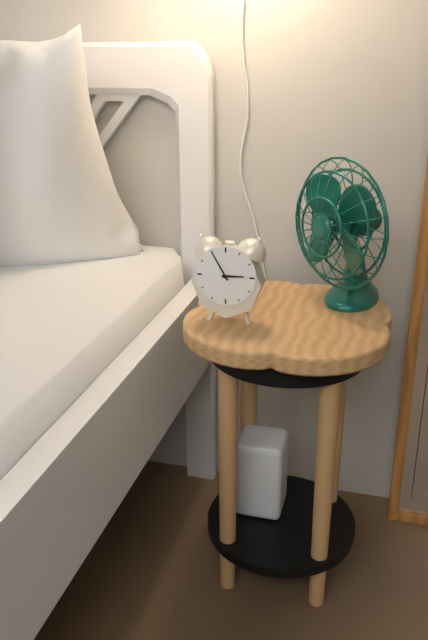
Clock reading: 2h55
